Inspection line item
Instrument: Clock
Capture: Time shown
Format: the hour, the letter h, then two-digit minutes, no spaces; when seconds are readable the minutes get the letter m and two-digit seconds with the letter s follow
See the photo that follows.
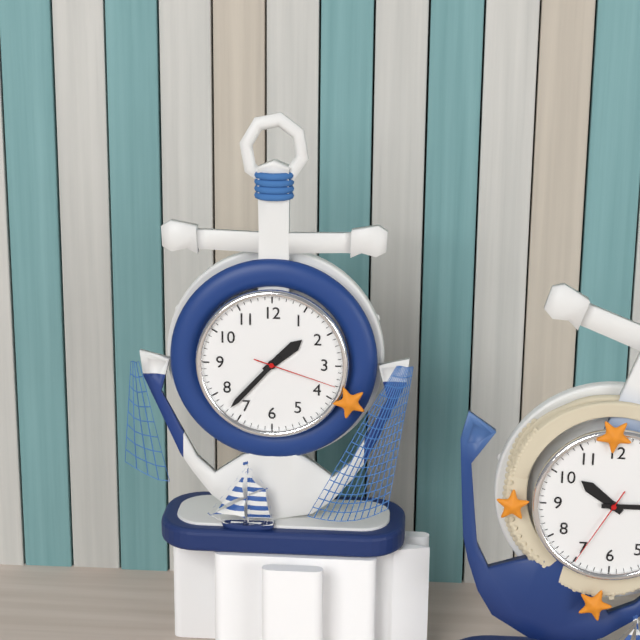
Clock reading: 1h37m18s
